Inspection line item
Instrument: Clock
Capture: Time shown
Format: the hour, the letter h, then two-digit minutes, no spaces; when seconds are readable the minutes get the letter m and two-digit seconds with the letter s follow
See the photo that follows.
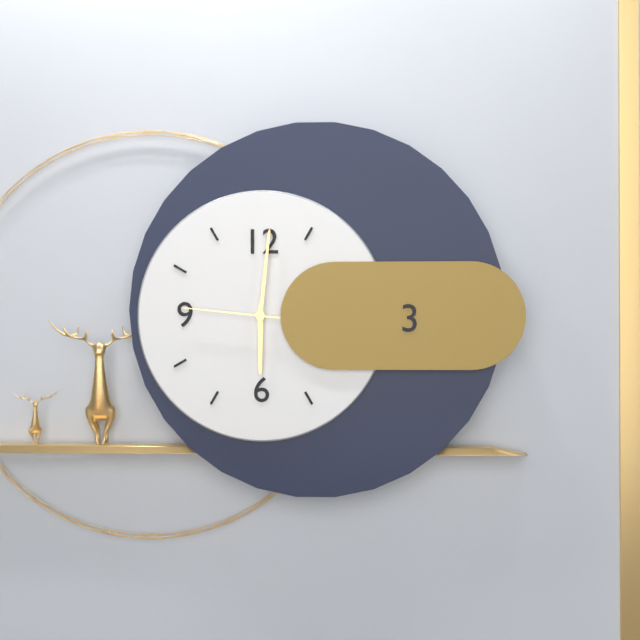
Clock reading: 6h01m46s
